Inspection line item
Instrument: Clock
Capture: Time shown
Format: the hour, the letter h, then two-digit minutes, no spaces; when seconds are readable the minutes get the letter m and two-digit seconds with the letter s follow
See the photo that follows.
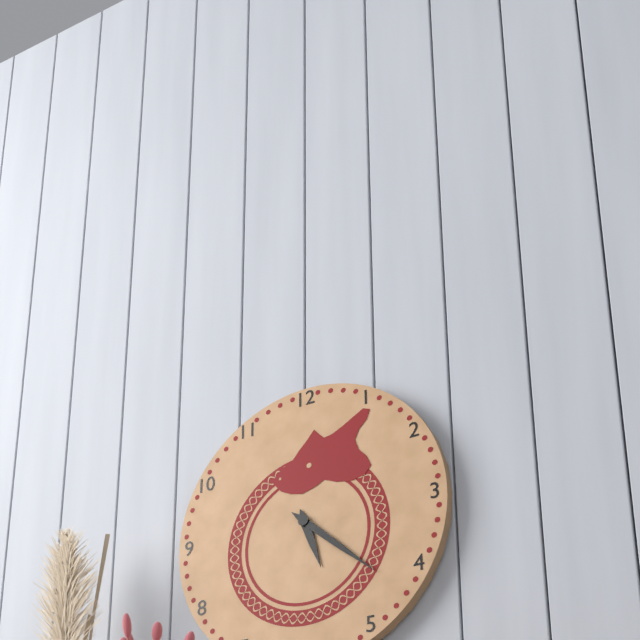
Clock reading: 5h22
